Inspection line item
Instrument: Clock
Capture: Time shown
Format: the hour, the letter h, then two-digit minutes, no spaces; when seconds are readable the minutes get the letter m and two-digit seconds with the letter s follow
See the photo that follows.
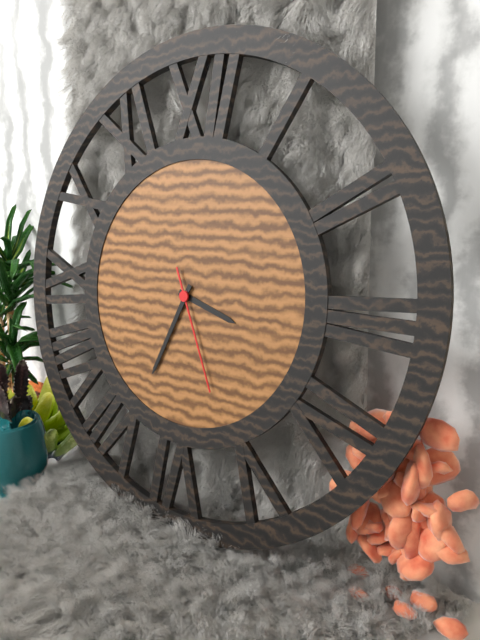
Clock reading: 3h34m26s
